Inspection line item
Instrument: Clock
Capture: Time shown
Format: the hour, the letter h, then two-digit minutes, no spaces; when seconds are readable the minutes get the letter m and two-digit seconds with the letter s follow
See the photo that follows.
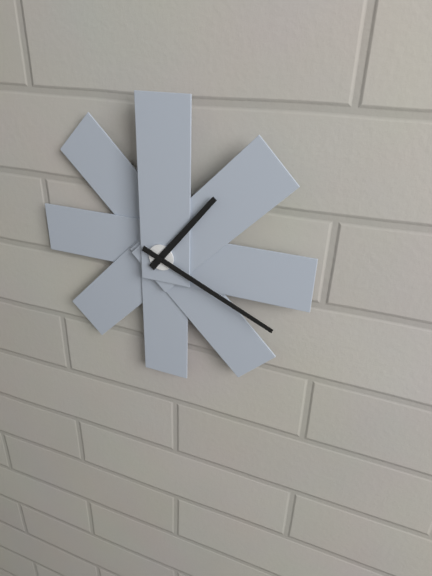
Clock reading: 1h19
